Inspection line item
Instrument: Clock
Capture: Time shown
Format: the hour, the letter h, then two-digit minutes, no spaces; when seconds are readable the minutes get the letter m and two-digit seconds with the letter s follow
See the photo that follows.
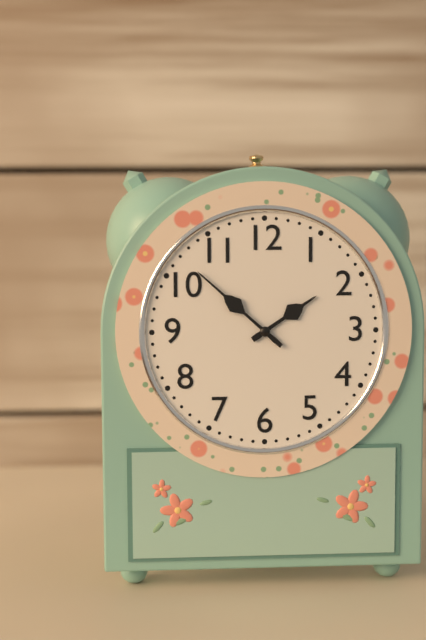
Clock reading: 1h52
